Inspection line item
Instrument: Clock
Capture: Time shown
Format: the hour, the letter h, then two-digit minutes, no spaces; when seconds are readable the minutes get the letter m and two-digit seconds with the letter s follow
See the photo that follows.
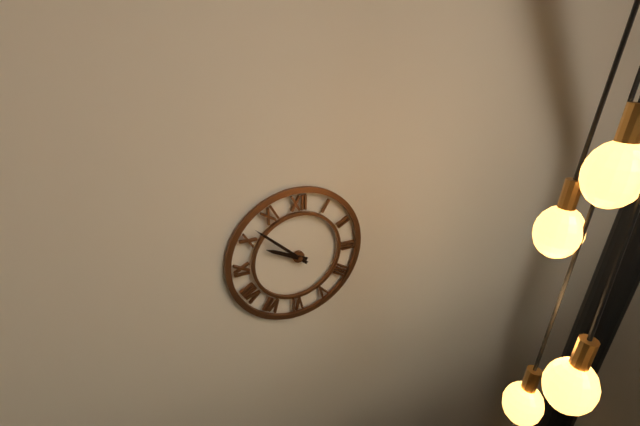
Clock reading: 9h52
